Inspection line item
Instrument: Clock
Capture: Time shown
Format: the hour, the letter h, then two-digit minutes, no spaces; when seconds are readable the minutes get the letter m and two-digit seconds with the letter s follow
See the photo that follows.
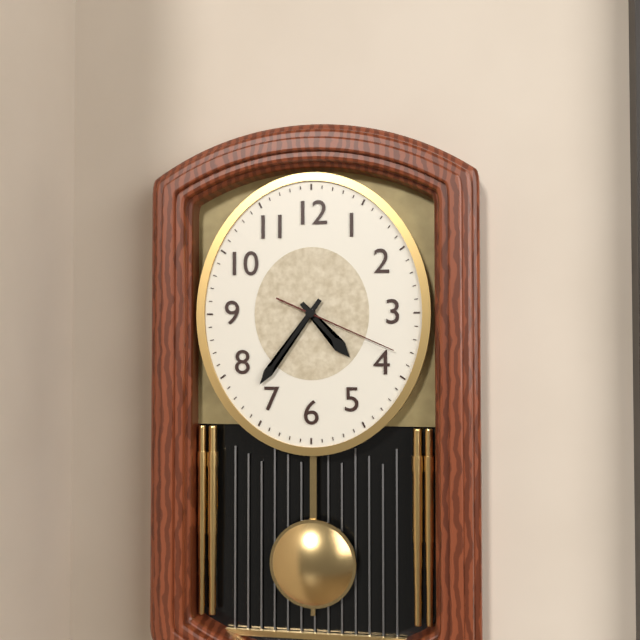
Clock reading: 4h36m19s
